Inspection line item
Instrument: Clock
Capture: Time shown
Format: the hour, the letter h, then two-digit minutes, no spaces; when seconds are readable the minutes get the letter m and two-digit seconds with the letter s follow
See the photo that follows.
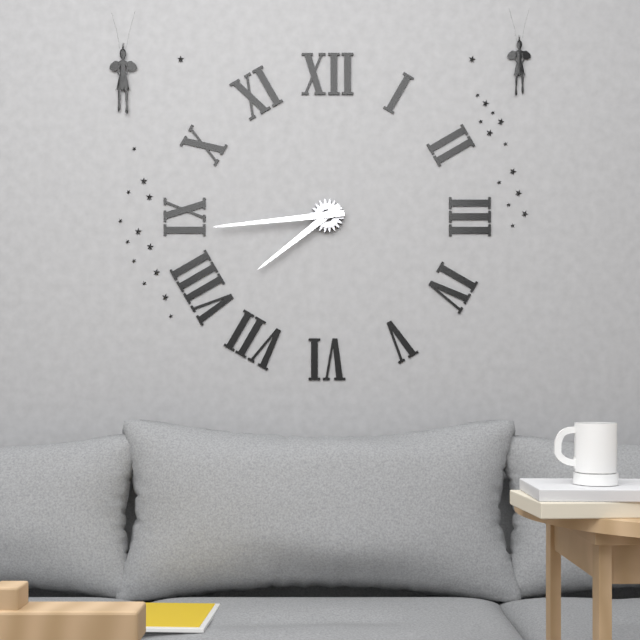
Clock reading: 7h44
